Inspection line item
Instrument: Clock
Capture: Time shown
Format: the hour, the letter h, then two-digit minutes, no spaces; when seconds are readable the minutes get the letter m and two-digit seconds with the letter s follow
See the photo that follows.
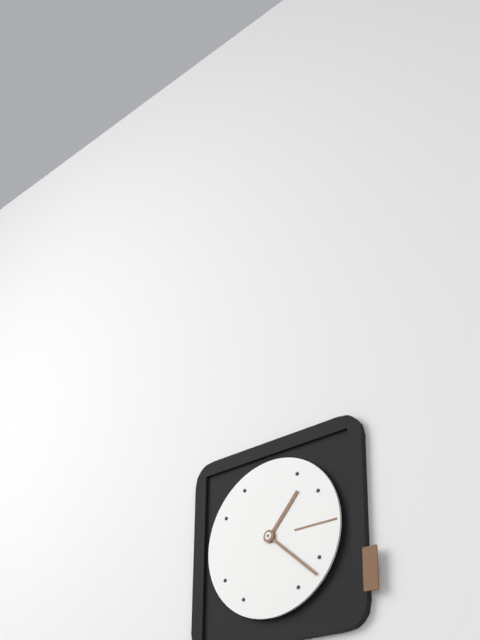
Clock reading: 1h22
